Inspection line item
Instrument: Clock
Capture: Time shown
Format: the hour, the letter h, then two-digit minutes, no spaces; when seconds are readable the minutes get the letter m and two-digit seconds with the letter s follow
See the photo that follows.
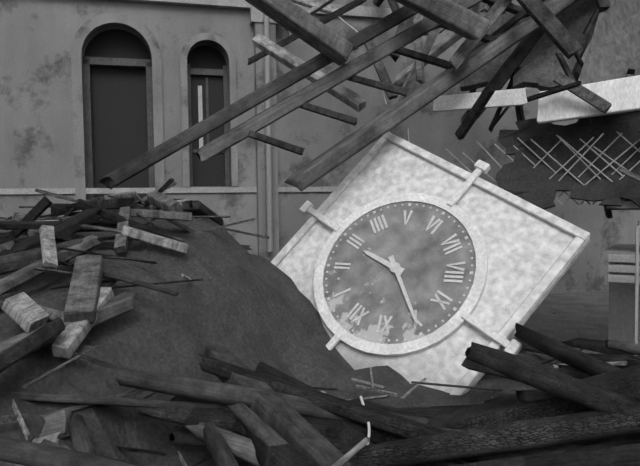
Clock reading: 2h50
